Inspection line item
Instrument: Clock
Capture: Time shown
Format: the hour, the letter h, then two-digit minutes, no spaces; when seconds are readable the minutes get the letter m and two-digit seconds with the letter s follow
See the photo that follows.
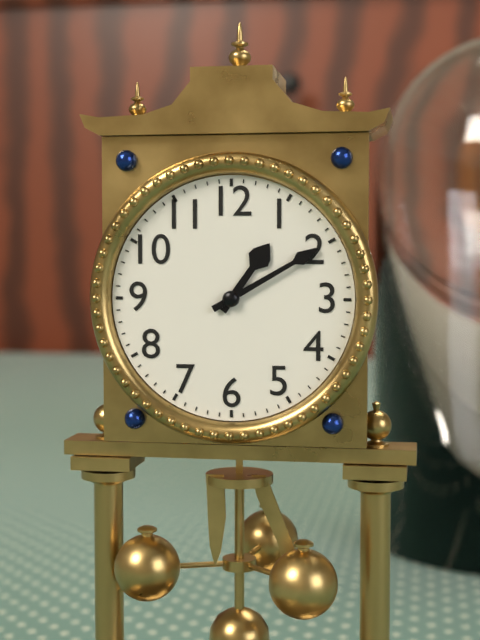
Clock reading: 1h10
